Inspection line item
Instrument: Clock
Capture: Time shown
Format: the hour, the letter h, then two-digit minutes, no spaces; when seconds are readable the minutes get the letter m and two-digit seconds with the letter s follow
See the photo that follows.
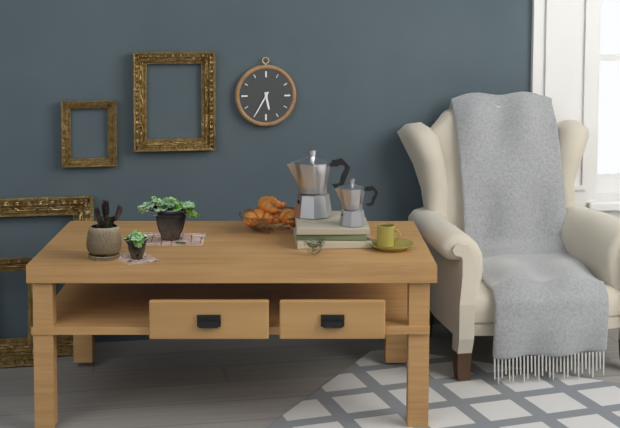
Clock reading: 5h35
